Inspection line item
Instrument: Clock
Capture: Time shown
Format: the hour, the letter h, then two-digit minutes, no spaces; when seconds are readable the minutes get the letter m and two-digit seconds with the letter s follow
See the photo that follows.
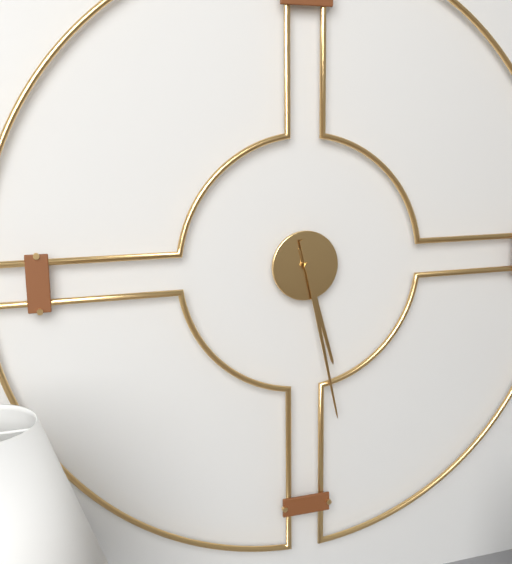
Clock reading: 5h28
